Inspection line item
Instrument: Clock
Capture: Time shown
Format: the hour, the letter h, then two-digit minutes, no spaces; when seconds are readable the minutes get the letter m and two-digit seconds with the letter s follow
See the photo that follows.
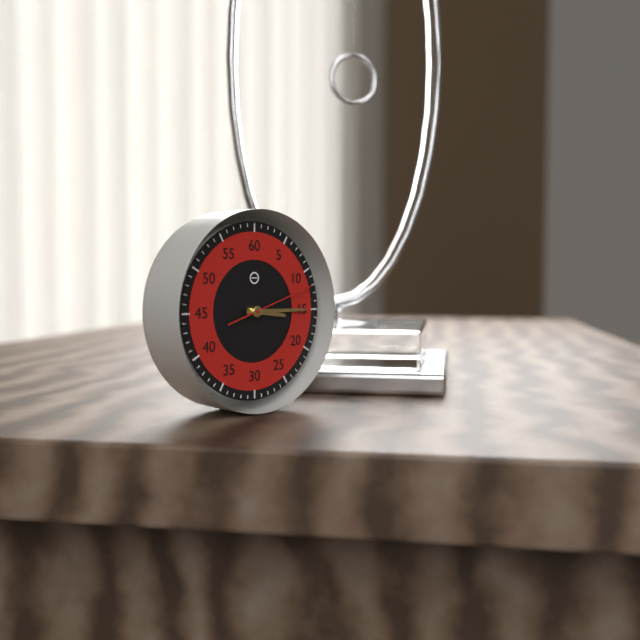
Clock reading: 3h15m12s
